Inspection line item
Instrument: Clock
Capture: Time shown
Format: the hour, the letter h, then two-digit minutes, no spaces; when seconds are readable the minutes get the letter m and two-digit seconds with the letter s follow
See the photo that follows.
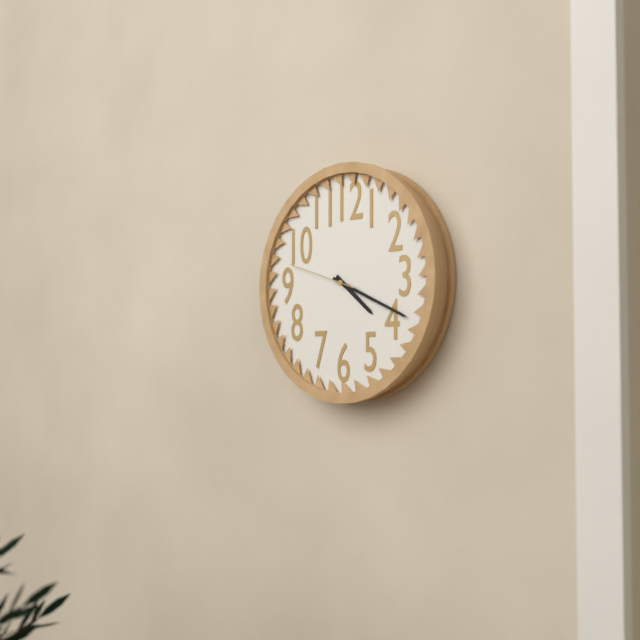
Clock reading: 4h19m48s
